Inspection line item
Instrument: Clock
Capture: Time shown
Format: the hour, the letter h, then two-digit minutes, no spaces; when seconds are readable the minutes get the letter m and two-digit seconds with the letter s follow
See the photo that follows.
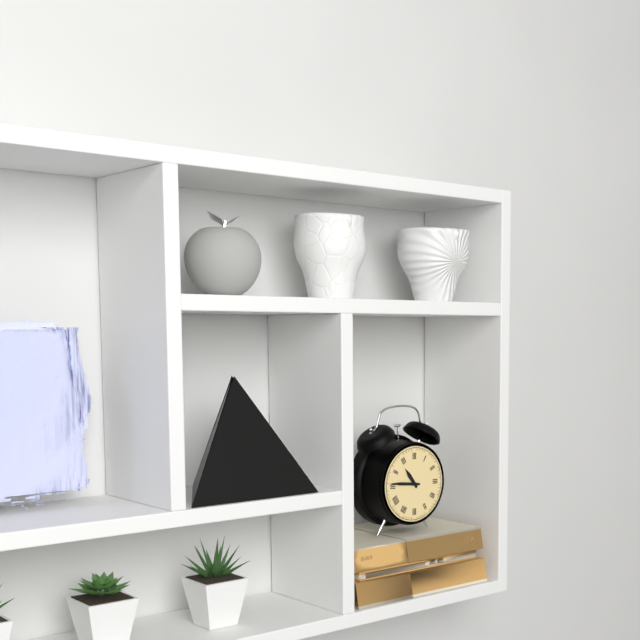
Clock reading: 10h46
